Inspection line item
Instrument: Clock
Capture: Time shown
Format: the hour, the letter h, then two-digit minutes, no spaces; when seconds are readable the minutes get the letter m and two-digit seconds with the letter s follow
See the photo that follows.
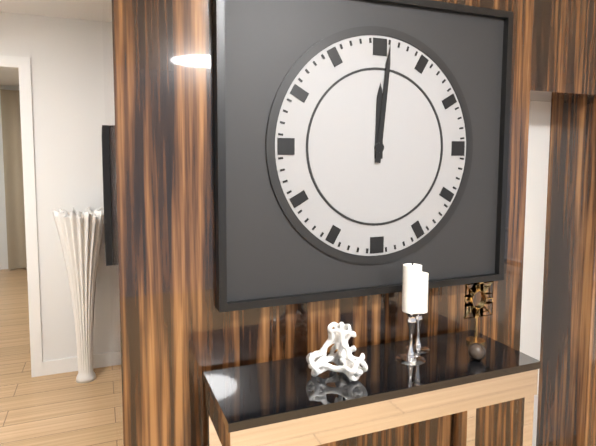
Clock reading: 12h01
